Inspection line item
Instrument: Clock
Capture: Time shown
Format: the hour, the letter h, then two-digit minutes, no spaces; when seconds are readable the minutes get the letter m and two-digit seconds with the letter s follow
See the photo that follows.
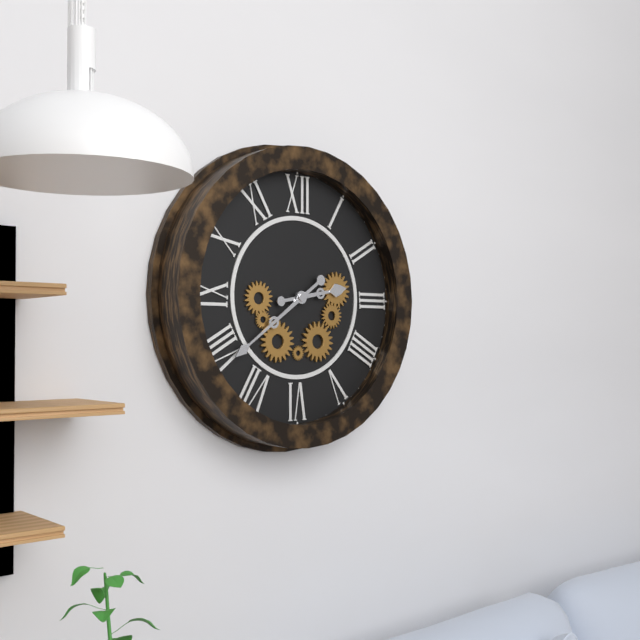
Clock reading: 2h39
